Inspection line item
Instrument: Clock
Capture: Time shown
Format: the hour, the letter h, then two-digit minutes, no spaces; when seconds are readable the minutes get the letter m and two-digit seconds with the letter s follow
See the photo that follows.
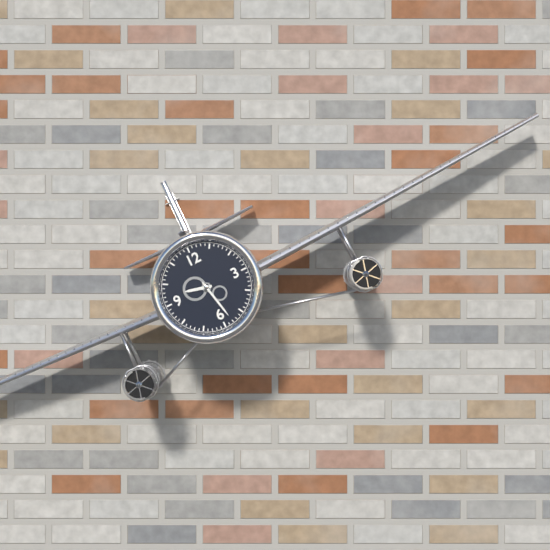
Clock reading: 9h28
